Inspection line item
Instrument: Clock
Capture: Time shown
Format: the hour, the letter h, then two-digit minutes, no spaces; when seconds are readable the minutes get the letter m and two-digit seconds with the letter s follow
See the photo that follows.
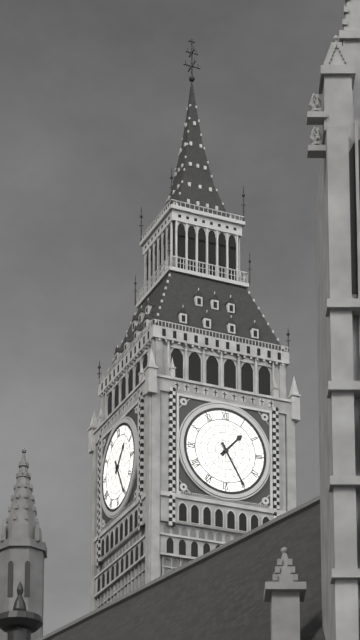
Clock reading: 1h25
